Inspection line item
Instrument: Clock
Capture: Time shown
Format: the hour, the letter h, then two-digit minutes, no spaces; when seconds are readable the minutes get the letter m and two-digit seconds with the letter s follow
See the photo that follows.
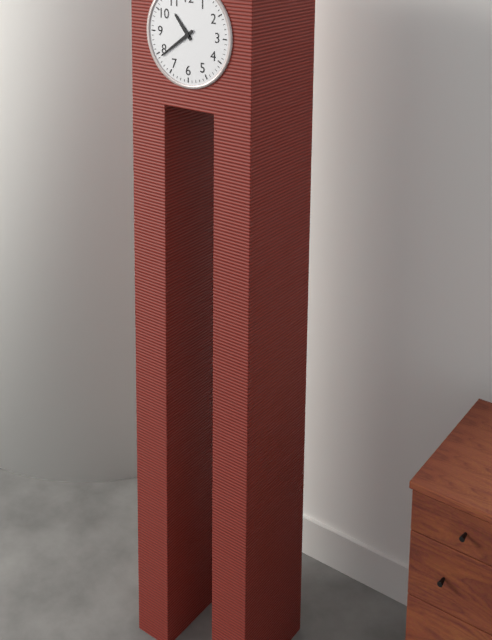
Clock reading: 10h39
